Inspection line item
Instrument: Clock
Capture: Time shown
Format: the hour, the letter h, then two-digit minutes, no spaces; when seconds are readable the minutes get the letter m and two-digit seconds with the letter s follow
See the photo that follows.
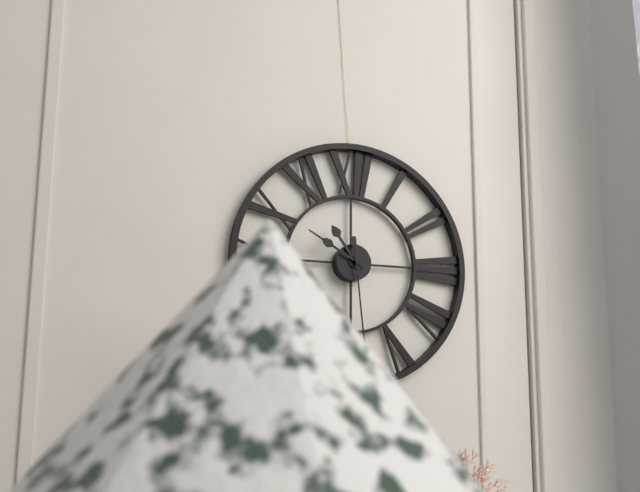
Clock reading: 10h50m29s
